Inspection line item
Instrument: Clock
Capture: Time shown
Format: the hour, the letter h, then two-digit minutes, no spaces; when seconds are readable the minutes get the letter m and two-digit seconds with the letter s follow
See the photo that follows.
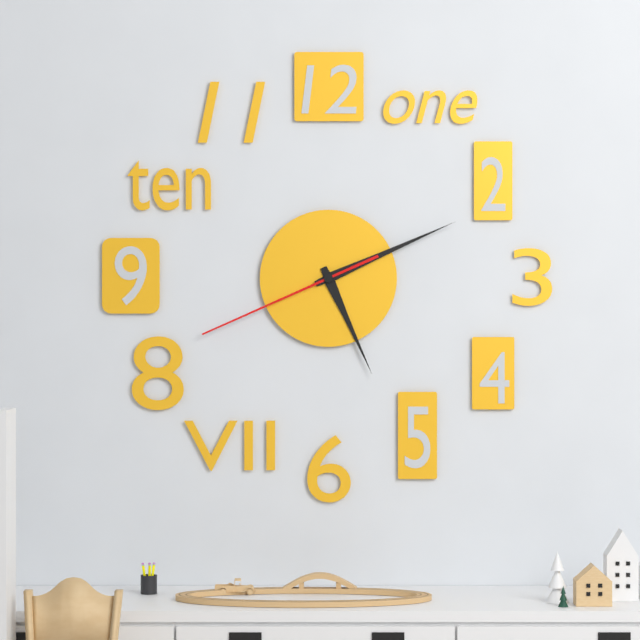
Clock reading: 5h11m41s
